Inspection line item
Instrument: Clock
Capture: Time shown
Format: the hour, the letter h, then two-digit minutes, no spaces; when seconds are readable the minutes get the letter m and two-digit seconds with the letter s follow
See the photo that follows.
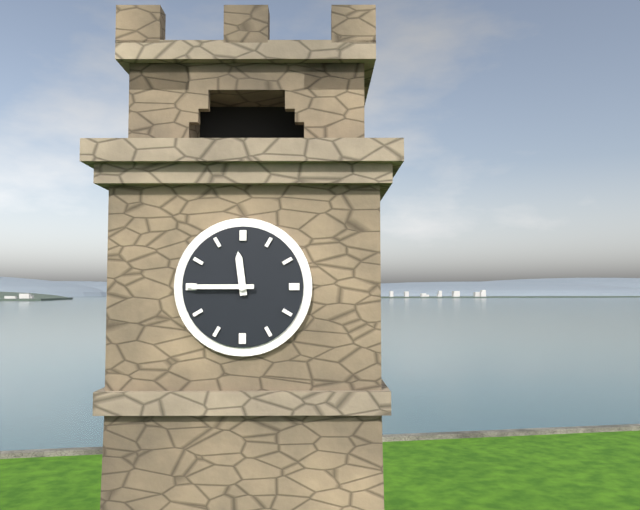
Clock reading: 11h45
